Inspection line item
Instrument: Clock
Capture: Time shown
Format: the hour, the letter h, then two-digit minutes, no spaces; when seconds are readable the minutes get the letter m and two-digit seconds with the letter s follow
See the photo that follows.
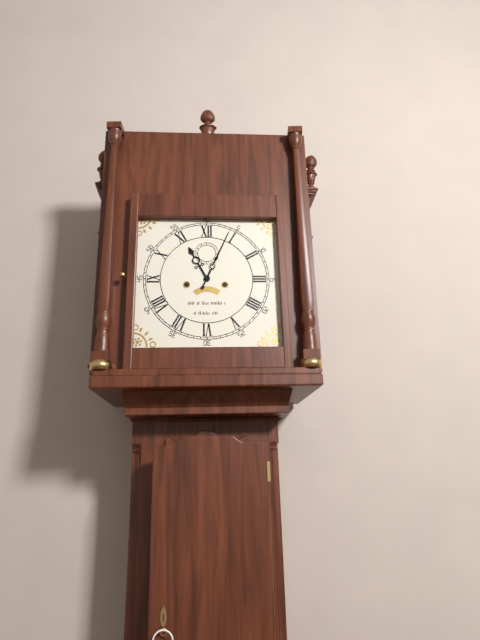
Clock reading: 11h04
